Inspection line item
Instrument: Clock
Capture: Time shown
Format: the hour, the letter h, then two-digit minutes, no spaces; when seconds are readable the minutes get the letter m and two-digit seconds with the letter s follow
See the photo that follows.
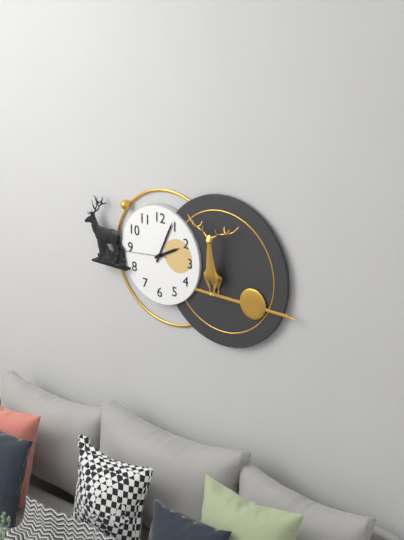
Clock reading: 2h04
